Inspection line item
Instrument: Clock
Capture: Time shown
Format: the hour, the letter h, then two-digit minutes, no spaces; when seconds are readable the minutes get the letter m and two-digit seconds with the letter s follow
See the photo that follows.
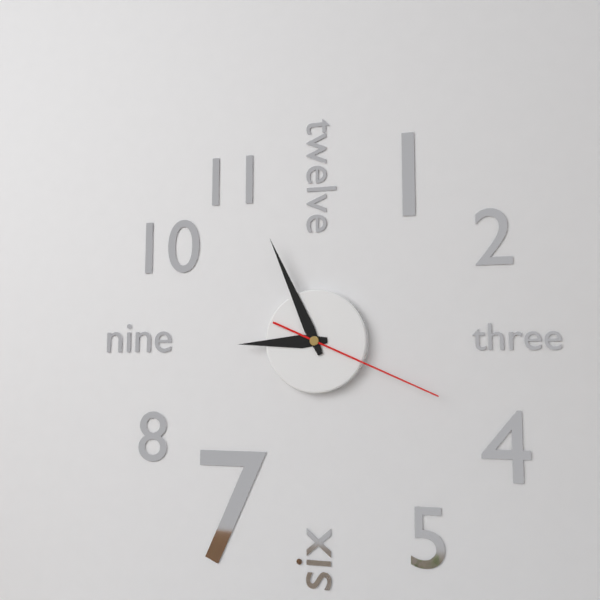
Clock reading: 8h56m19s
